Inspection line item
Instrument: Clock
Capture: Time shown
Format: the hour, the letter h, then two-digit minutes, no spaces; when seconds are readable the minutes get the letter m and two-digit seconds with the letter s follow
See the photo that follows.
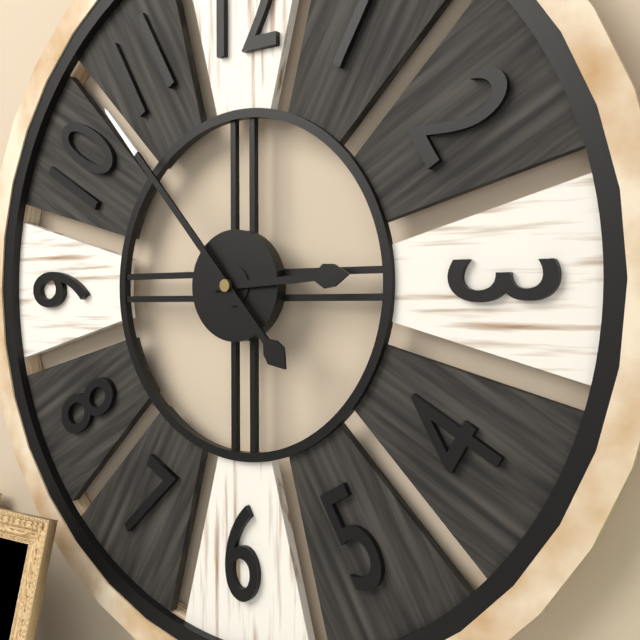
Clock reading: 2h53
